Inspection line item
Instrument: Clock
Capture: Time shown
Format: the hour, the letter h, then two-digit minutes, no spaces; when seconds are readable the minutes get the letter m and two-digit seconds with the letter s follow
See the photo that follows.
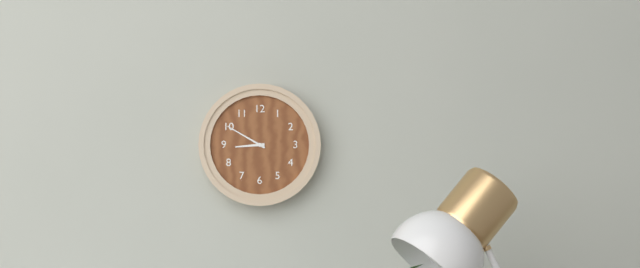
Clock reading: 8h50
